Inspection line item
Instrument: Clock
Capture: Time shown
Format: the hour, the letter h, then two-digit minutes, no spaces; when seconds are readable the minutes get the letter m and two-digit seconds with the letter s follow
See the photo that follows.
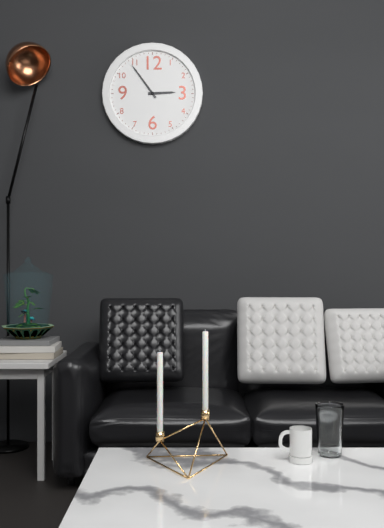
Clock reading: 2h54
